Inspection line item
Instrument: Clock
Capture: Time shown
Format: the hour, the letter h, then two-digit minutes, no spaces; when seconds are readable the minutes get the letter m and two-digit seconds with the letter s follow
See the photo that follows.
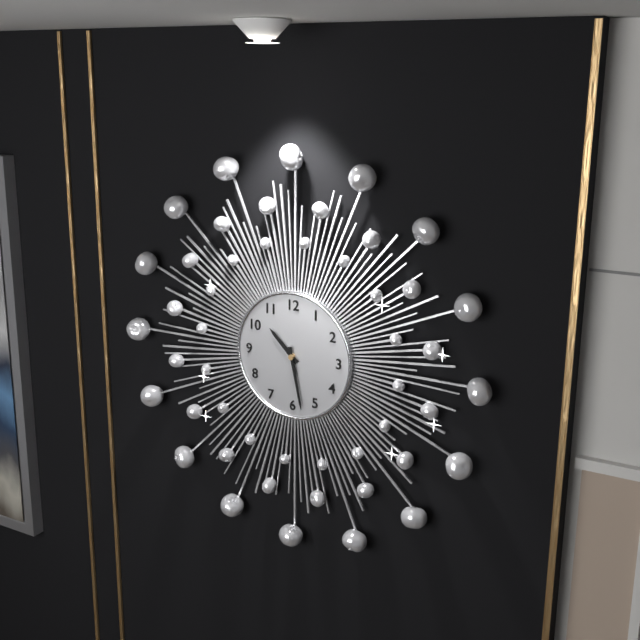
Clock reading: 10h28
